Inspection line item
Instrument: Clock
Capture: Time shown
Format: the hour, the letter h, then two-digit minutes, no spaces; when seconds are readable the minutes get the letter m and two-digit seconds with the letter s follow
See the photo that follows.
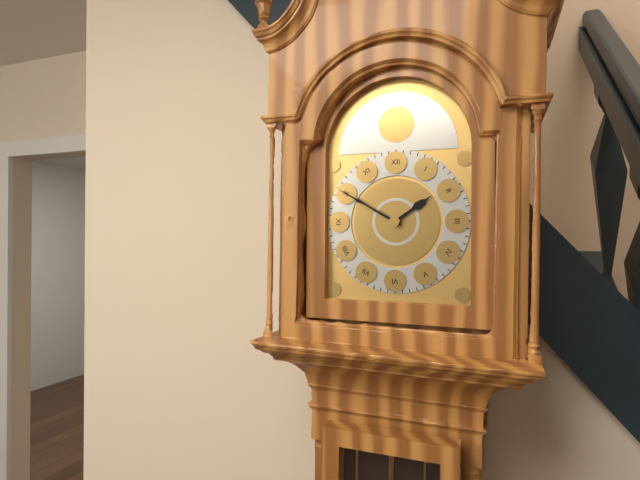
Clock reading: 1h50
